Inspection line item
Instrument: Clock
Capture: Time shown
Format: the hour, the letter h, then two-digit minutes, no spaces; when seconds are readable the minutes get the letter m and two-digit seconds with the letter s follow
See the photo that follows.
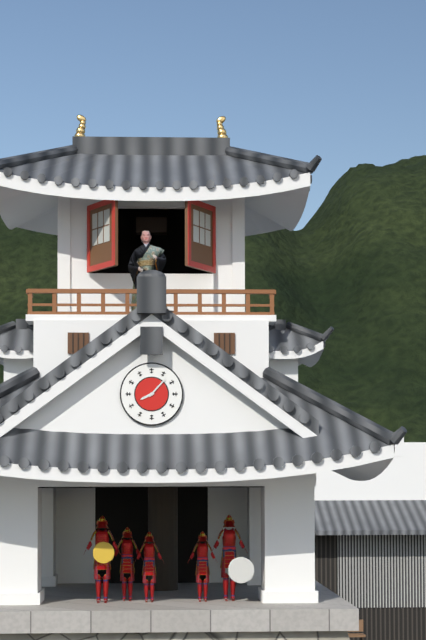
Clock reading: 8h07
